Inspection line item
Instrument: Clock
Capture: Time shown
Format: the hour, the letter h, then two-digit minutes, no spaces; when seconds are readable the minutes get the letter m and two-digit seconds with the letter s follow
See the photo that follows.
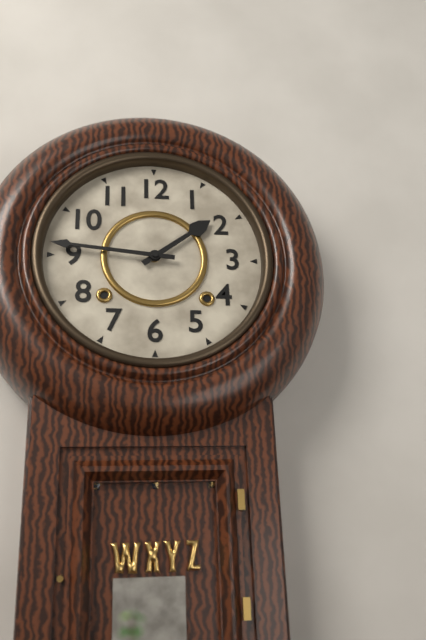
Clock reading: 1h46
